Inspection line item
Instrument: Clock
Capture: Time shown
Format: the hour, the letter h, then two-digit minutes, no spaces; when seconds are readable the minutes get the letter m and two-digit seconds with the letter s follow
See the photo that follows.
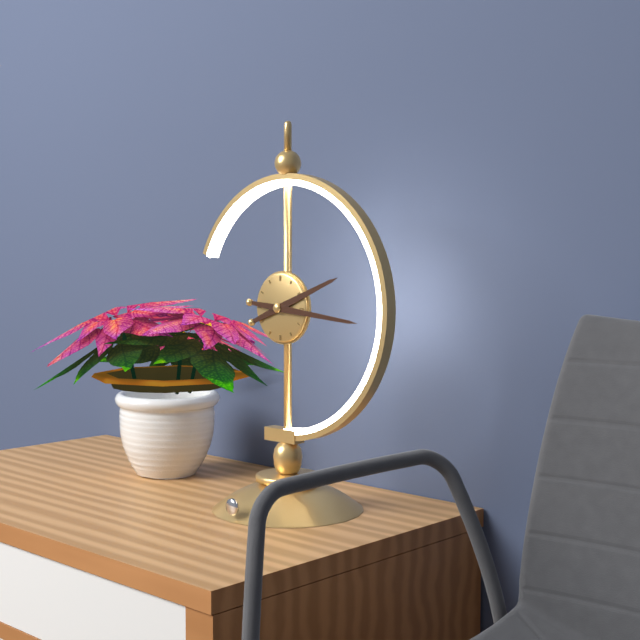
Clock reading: 2h16
